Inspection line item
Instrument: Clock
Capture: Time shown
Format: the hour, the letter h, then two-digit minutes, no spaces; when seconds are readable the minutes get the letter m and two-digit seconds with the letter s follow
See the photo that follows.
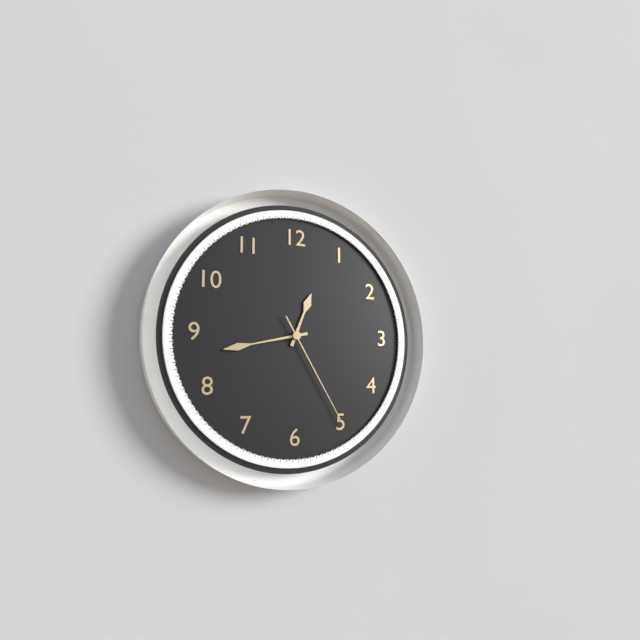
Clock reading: 12h43m25s
